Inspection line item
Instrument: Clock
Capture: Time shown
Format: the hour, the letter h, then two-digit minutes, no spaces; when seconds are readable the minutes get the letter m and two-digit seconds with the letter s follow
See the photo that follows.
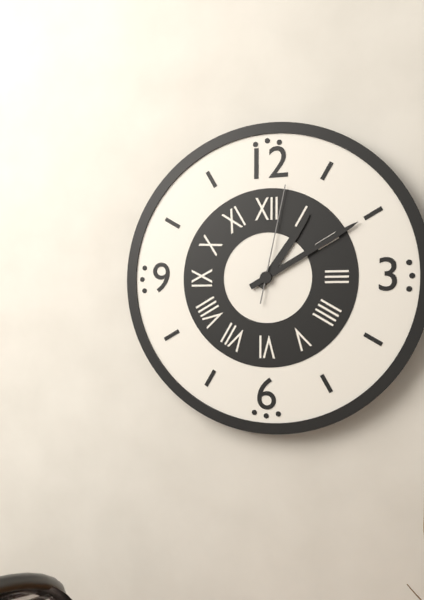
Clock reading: 1h10m02s
